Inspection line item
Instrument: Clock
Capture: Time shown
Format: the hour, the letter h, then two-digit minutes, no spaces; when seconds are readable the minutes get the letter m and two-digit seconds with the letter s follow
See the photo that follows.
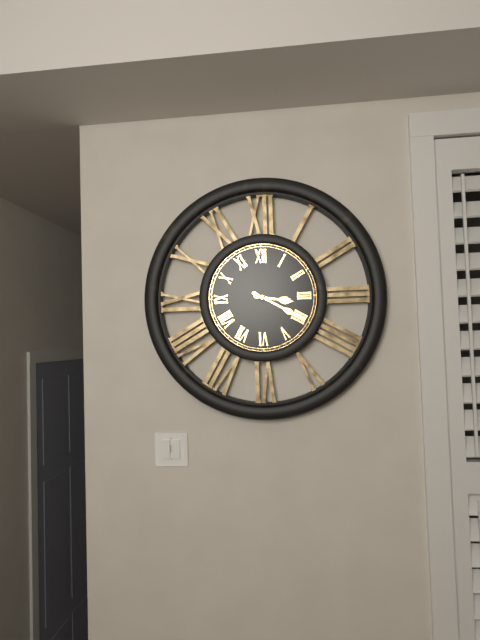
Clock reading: 3h20
